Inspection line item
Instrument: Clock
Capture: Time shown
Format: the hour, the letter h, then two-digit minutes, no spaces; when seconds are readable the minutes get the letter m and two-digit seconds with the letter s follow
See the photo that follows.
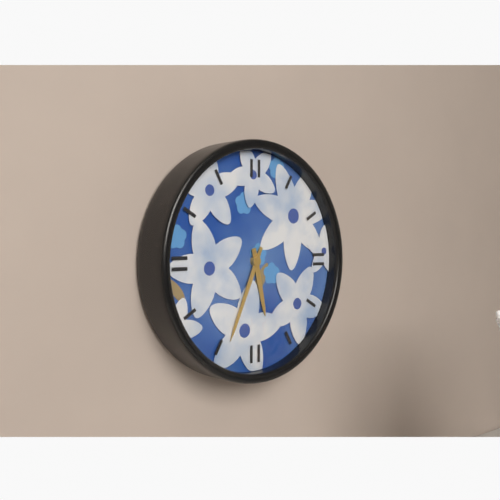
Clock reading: 5h34
